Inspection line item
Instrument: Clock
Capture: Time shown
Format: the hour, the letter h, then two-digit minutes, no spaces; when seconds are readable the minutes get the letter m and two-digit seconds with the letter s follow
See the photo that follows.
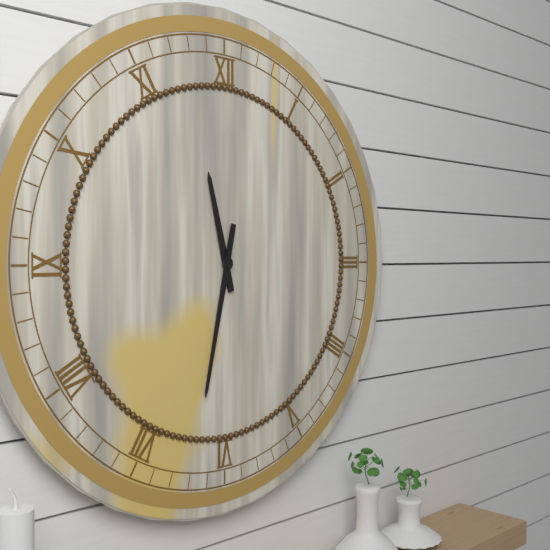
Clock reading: 11h32
